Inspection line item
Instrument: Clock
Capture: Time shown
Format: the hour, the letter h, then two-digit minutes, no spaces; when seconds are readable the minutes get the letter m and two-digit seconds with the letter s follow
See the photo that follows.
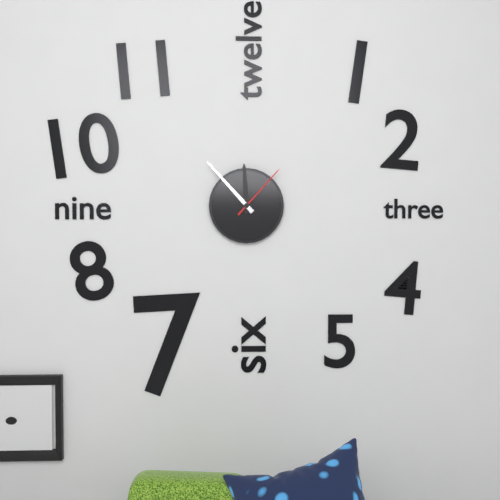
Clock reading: 11h53m07s
